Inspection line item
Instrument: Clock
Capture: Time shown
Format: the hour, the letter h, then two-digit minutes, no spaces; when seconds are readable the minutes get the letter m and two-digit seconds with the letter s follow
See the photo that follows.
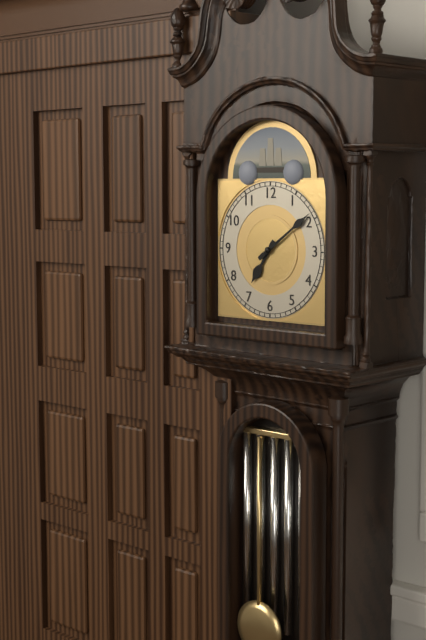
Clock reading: 7h09
